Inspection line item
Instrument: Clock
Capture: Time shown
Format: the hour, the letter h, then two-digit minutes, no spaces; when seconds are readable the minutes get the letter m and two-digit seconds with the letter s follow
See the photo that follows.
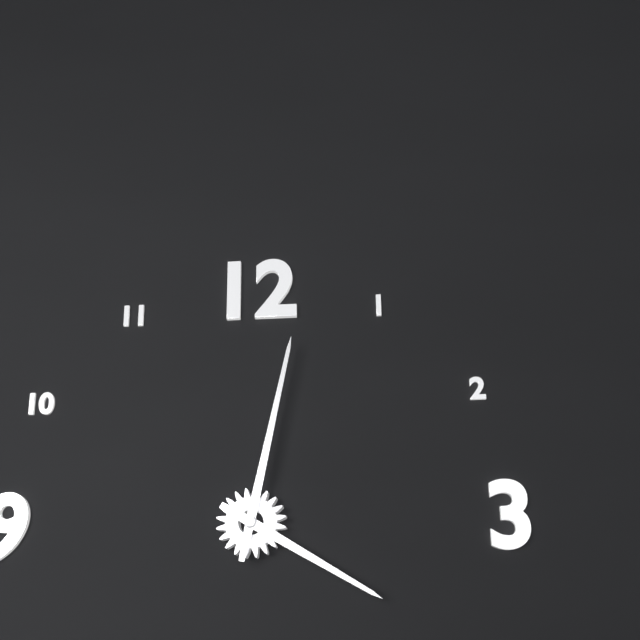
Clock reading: 4h02
